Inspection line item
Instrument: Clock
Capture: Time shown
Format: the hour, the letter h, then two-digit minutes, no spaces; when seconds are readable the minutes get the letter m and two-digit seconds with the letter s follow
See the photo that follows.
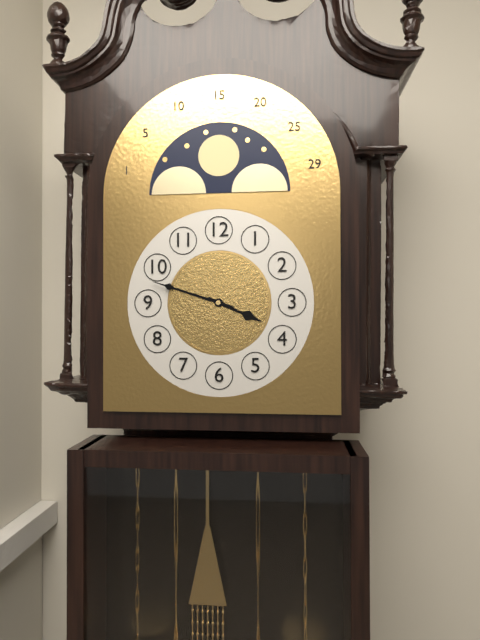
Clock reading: 3h48
